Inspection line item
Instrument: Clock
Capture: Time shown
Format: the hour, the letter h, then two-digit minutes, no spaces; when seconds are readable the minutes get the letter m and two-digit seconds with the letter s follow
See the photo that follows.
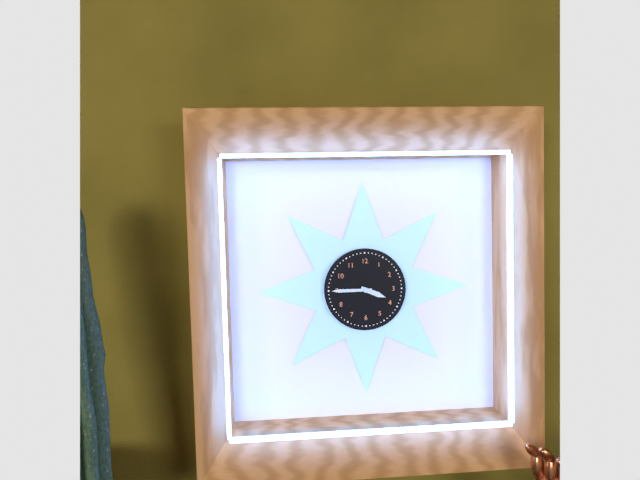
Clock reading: 3h45
